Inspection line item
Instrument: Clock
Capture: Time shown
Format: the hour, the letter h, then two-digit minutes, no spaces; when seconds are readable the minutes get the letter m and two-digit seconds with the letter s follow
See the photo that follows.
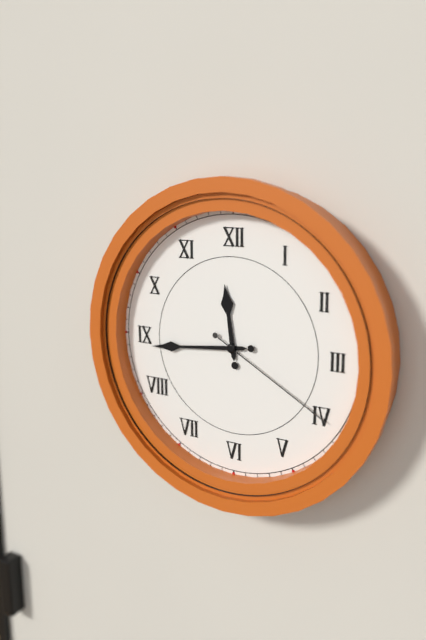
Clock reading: 11h44m20s
